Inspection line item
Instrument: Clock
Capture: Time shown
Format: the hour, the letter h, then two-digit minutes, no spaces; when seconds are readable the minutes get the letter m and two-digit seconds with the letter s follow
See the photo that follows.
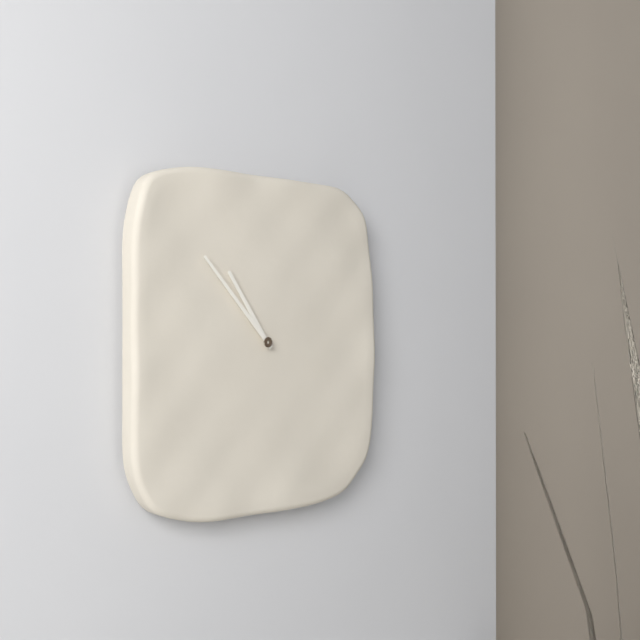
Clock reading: 10h53
